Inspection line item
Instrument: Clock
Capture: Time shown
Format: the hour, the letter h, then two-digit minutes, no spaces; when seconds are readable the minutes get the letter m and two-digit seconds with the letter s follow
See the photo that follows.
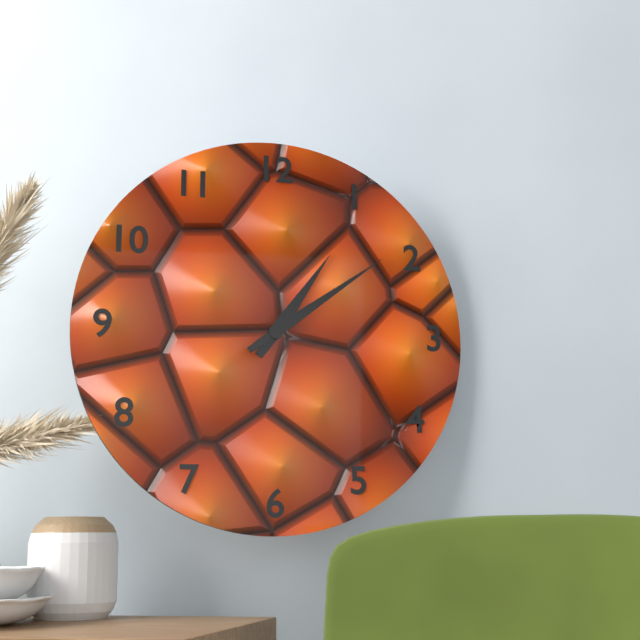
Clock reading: 1h09
